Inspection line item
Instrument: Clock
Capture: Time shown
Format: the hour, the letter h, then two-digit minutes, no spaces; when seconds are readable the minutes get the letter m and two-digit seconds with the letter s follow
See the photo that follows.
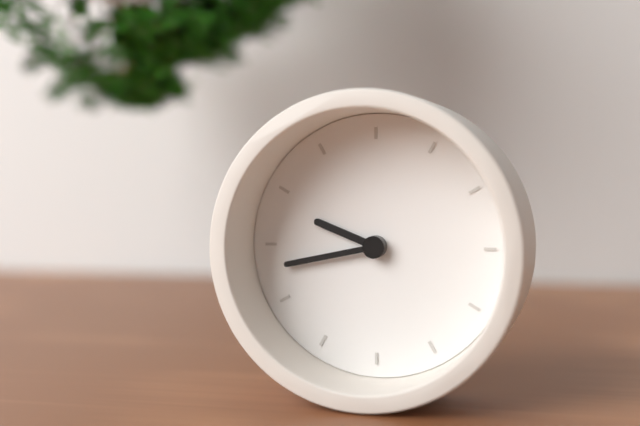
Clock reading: 9h43
